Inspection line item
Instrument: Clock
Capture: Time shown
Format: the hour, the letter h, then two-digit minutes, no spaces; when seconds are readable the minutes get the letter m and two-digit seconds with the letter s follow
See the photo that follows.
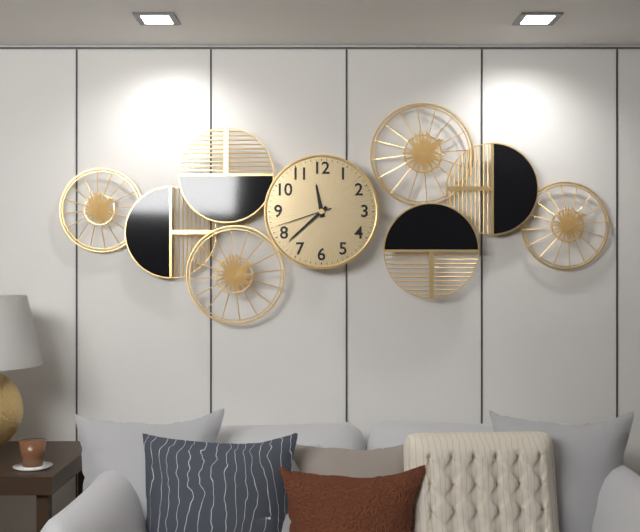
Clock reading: 11h38m42s
